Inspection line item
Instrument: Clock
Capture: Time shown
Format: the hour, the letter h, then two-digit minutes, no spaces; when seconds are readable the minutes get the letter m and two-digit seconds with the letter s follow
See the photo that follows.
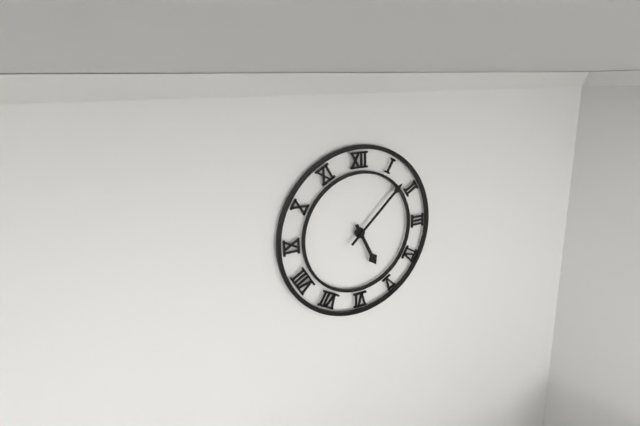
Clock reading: 5h08
